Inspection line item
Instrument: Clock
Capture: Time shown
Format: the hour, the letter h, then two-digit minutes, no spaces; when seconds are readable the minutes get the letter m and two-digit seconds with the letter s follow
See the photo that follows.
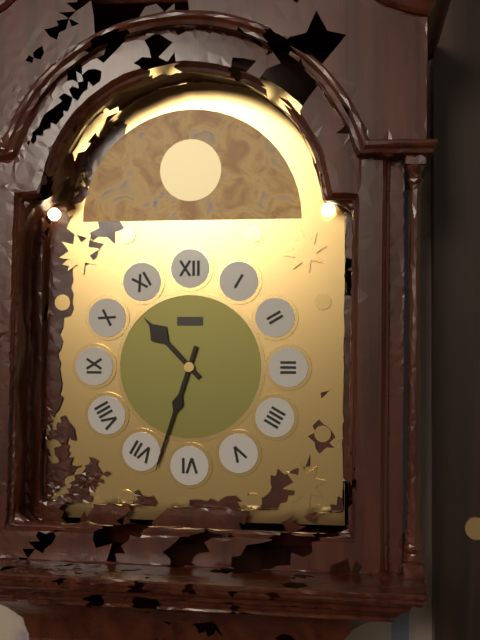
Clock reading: 10h33
